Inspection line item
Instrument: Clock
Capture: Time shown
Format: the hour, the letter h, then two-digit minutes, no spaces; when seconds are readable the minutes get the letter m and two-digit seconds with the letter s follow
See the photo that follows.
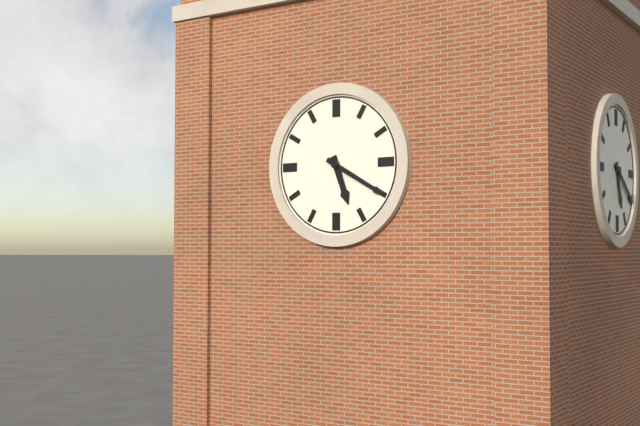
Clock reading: 5h20
